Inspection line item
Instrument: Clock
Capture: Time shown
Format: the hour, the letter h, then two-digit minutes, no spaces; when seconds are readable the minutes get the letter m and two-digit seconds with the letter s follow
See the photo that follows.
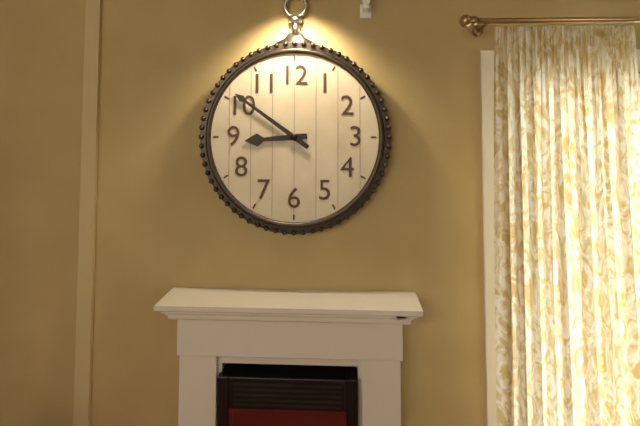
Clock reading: 8h51
